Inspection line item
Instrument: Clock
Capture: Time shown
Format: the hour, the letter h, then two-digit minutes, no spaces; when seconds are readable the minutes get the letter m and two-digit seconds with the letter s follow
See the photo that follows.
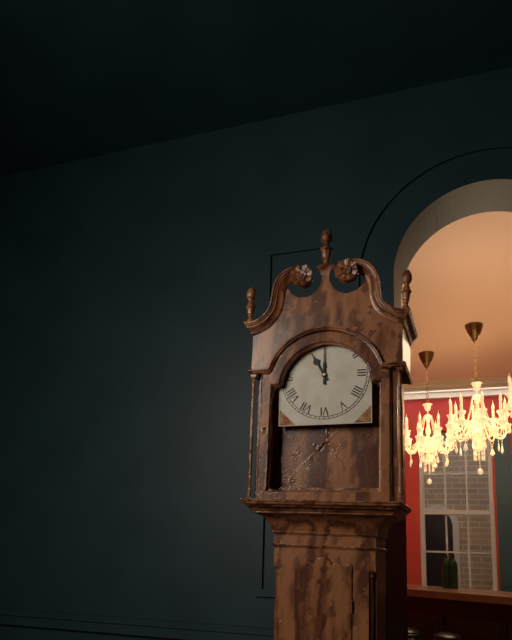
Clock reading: 11h00
